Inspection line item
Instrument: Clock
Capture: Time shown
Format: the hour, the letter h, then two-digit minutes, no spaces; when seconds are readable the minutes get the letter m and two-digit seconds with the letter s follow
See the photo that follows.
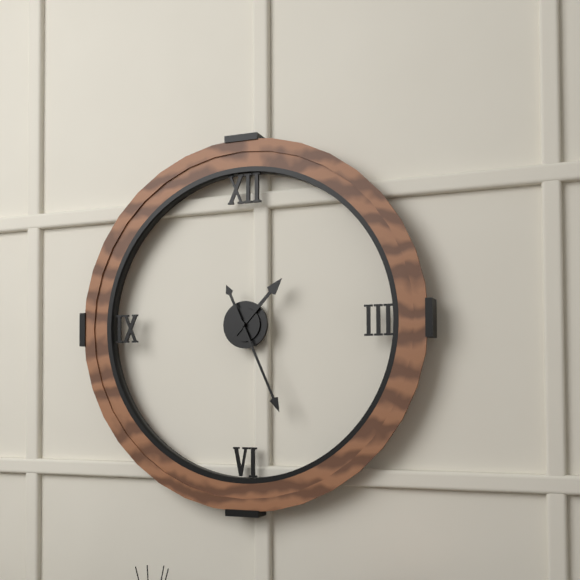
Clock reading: 1h26
